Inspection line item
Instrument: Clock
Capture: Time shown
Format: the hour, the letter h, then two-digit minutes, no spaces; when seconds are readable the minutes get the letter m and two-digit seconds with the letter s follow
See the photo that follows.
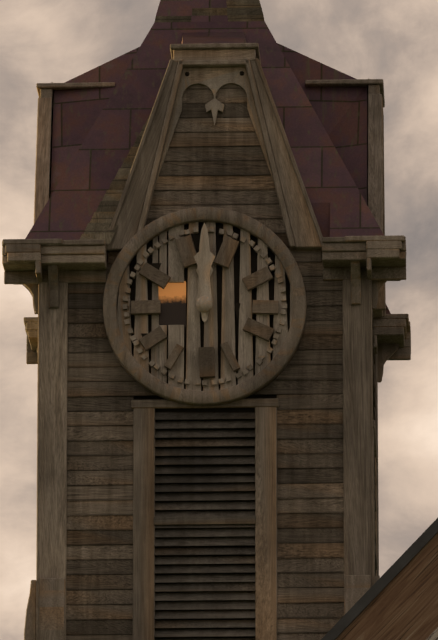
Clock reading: 12h00
